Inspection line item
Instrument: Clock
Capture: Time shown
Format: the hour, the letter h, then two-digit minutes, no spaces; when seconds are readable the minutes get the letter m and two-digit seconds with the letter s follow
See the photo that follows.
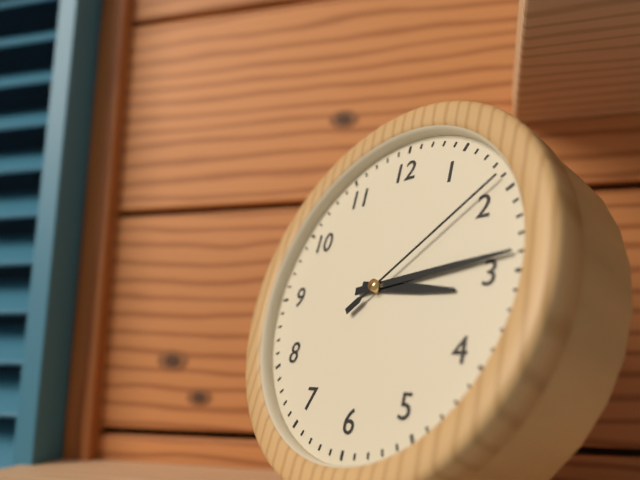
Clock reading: 3h14m09s
